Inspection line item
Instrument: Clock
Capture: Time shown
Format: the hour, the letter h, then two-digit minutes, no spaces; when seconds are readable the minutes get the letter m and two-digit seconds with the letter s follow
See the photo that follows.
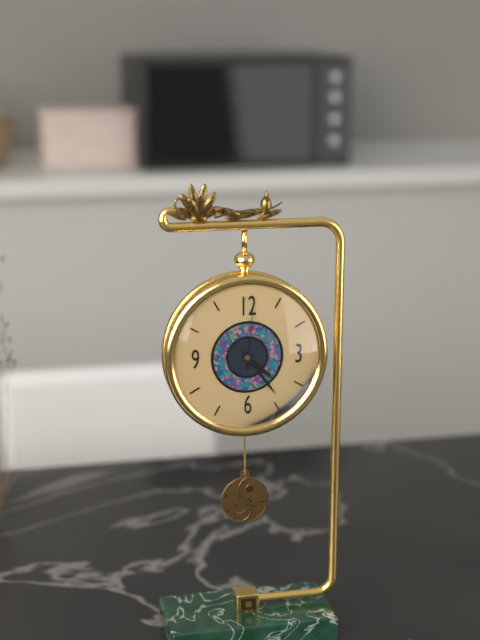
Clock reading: 4h24m01s
